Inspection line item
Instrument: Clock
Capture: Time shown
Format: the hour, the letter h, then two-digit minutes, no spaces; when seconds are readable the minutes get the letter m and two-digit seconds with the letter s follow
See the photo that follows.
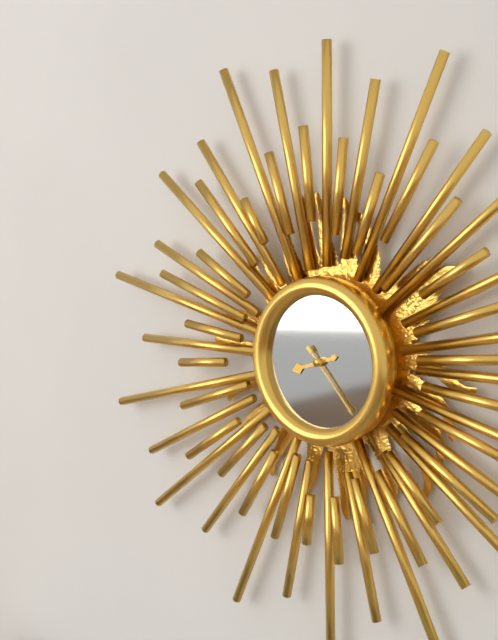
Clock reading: 8h23
